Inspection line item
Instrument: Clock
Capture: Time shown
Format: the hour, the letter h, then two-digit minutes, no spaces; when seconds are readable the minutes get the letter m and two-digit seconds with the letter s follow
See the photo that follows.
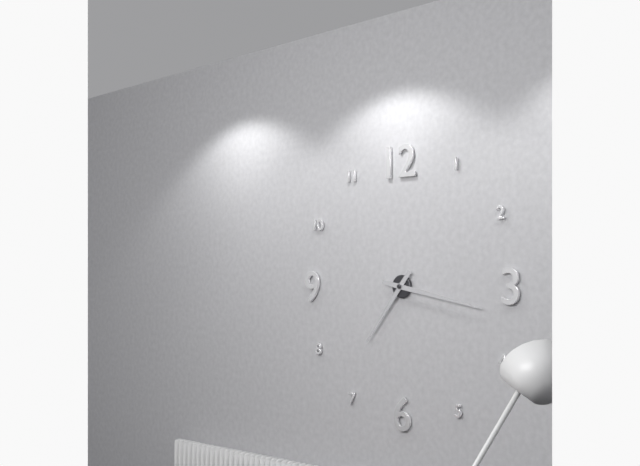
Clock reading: 7h17
